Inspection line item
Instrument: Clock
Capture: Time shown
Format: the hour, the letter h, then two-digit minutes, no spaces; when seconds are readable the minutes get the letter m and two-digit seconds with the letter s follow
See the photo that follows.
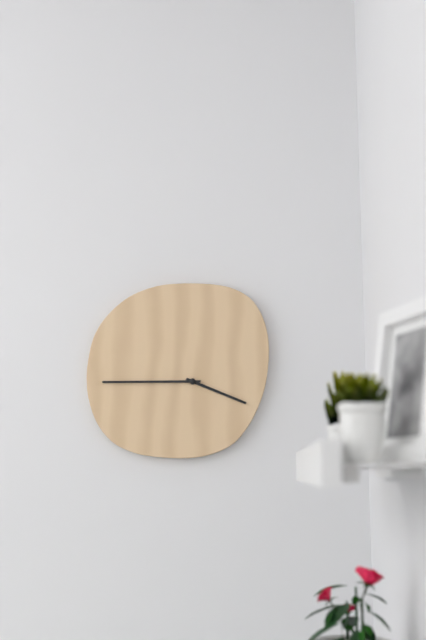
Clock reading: 3h45
